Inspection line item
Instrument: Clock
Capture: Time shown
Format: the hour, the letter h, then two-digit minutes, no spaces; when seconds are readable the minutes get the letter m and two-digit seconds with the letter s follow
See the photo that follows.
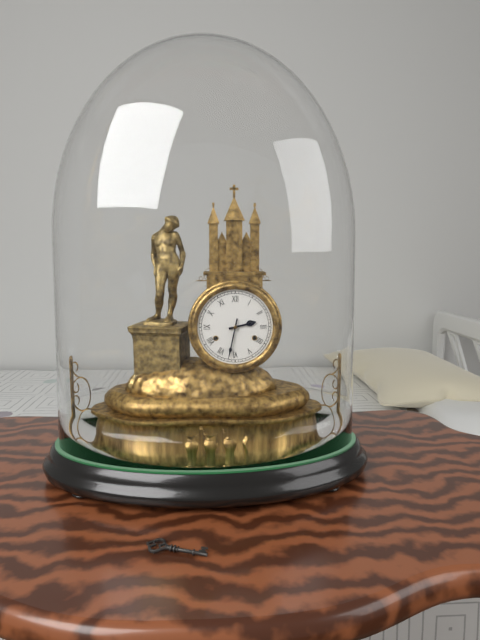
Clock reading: 2h32
